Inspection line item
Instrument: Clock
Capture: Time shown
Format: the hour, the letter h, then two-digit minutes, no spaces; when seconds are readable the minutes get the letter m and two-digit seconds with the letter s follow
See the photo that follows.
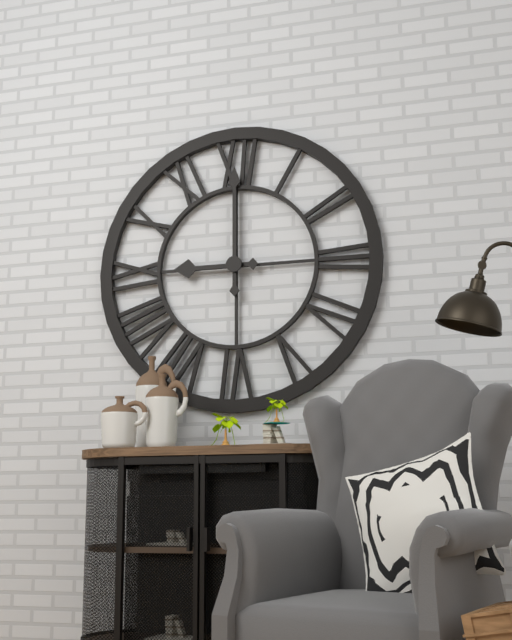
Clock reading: 9h00
